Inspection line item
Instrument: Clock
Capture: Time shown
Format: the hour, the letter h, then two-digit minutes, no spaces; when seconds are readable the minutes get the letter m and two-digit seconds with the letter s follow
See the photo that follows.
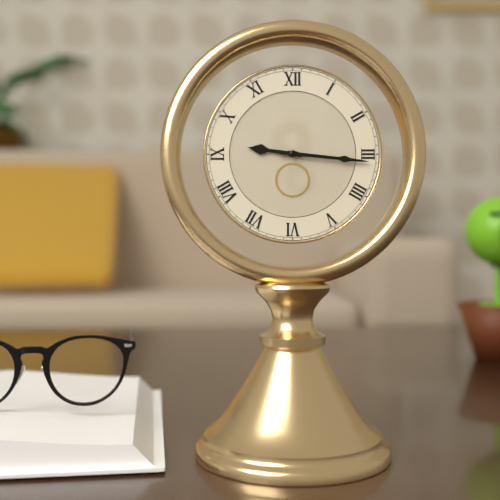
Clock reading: 9h16
